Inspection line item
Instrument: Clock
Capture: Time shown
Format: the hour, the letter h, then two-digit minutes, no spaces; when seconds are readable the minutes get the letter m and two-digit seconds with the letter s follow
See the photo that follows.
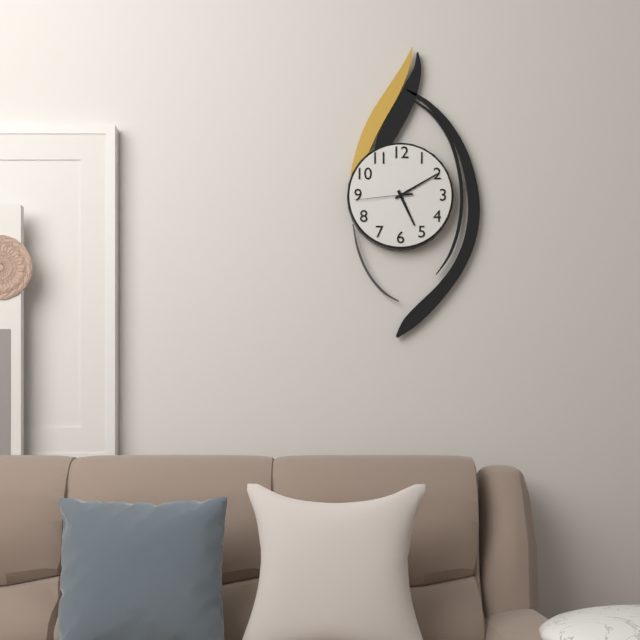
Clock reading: 5h10m44s
